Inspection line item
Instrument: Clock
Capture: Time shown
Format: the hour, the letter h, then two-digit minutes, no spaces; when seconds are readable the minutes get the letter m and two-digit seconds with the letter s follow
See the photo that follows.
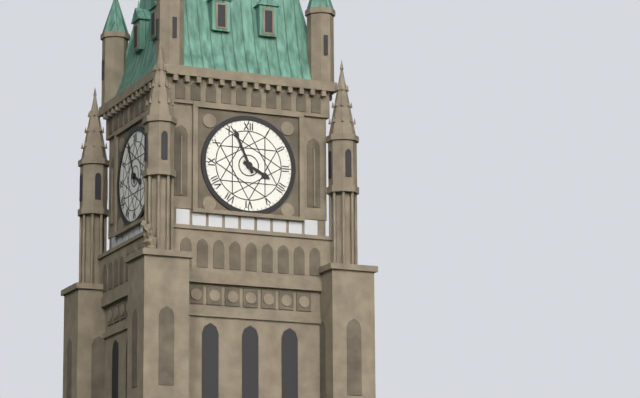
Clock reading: 3h56
